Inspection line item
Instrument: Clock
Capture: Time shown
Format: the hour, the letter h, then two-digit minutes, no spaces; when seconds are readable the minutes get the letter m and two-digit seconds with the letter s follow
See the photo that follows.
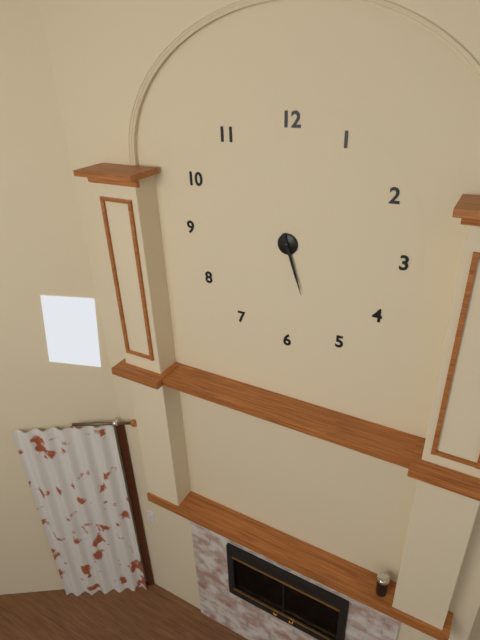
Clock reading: 5h27
